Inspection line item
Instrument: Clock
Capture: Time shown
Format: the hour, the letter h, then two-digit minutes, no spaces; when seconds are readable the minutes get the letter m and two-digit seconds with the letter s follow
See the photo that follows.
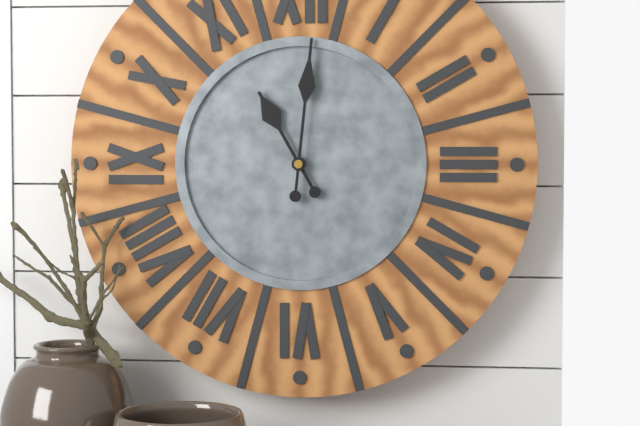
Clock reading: 11h01
